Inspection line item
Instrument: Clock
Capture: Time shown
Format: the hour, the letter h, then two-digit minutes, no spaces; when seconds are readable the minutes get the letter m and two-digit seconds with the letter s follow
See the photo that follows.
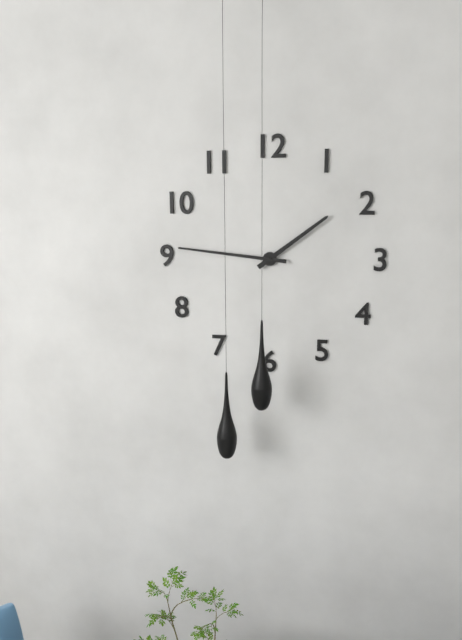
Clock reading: 1h46
